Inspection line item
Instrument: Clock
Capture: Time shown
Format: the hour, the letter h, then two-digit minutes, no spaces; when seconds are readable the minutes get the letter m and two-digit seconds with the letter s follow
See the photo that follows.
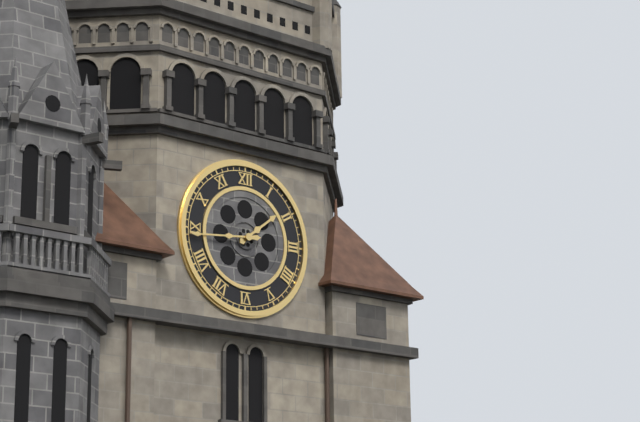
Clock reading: 1h44
